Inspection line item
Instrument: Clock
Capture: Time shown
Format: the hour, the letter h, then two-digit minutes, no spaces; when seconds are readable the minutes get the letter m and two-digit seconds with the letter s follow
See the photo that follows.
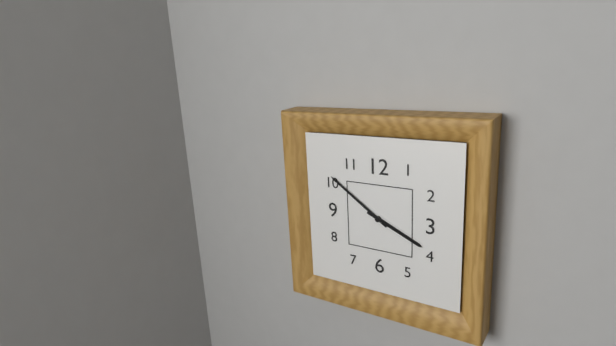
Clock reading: 3h51
